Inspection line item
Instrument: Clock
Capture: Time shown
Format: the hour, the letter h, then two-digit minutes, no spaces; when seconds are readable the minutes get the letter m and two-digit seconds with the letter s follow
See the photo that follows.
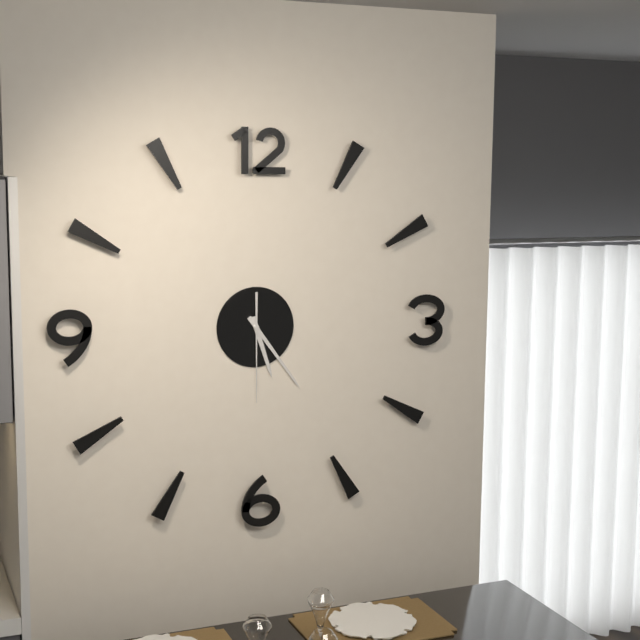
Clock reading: 5h24m30s
